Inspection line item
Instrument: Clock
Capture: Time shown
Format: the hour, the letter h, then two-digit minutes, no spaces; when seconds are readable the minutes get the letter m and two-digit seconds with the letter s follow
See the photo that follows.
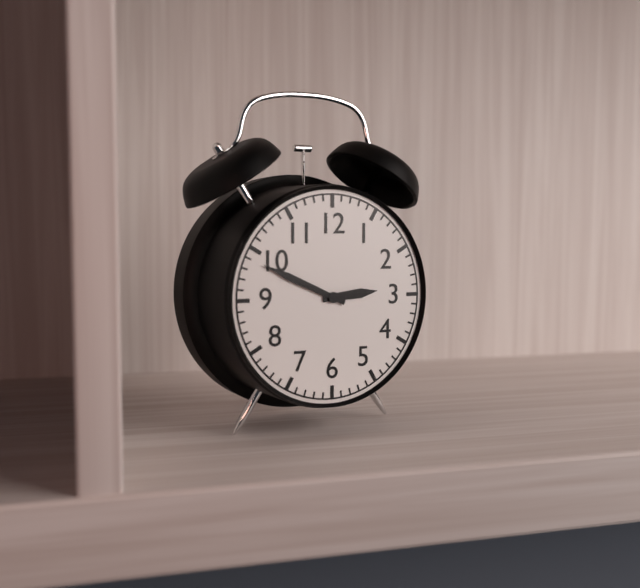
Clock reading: 2h49
